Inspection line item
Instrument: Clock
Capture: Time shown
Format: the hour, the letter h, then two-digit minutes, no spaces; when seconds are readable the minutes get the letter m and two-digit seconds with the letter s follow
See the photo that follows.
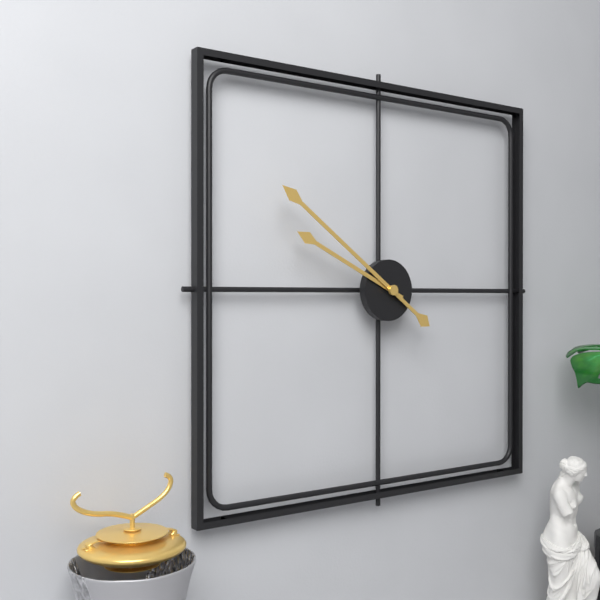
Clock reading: 9h51
